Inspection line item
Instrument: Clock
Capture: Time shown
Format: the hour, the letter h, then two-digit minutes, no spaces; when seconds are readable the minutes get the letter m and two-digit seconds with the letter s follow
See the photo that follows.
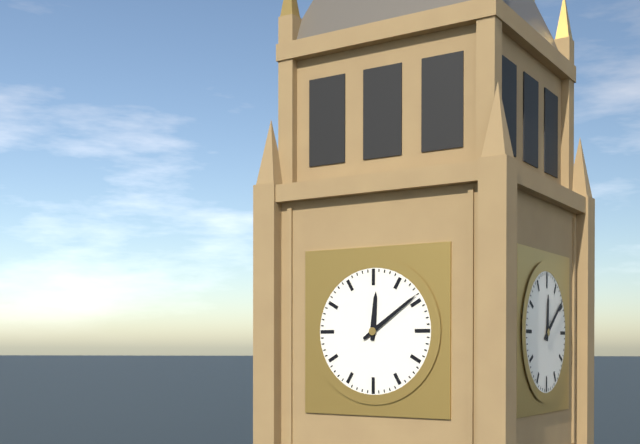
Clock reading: 12h09
